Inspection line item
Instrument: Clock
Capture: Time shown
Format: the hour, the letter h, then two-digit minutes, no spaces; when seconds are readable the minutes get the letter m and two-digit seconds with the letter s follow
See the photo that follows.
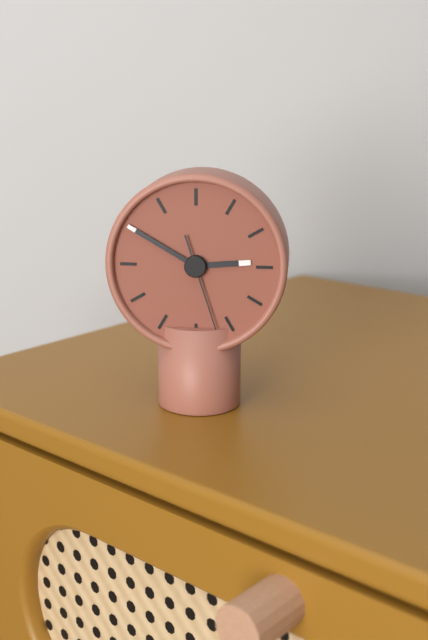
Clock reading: 2h50m27s
